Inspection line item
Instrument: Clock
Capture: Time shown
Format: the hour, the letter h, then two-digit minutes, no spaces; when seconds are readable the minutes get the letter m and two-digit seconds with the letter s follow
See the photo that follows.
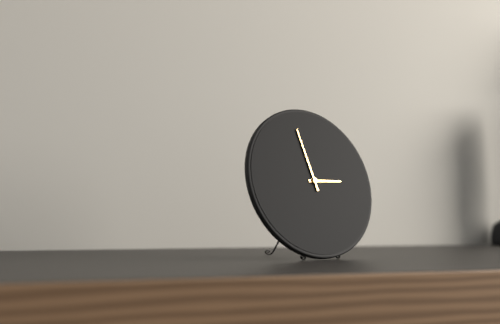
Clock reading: 2h58
